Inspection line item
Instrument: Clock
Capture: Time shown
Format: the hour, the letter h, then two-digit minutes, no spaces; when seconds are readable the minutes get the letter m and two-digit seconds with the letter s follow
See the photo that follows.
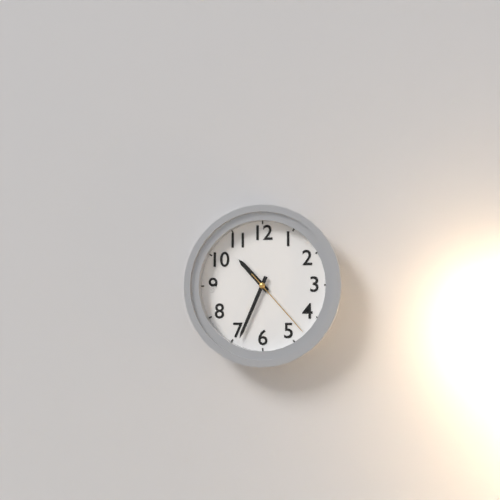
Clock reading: 10h34m23s
